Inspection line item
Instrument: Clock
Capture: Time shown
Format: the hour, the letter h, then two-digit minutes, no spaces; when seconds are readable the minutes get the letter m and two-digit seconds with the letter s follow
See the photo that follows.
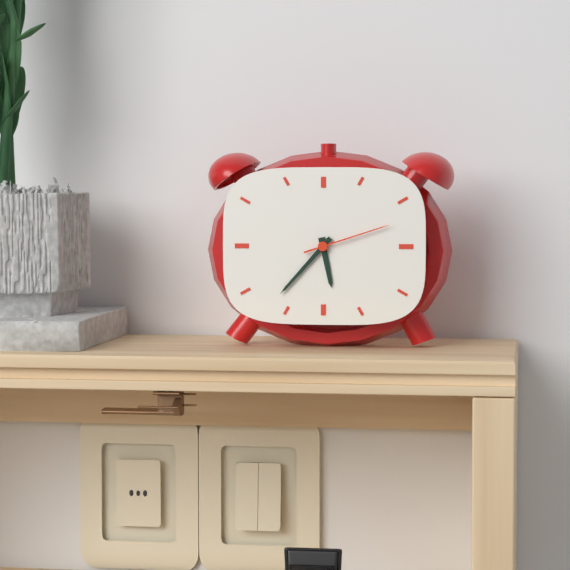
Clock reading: 5h37m12s
